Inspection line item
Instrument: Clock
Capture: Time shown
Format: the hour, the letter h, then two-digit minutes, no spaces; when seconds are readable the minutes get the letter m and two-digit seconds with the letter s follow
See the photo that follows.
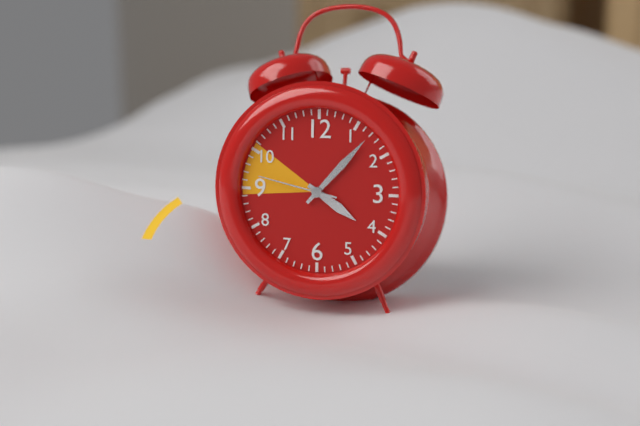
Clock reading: 4h07m47s
